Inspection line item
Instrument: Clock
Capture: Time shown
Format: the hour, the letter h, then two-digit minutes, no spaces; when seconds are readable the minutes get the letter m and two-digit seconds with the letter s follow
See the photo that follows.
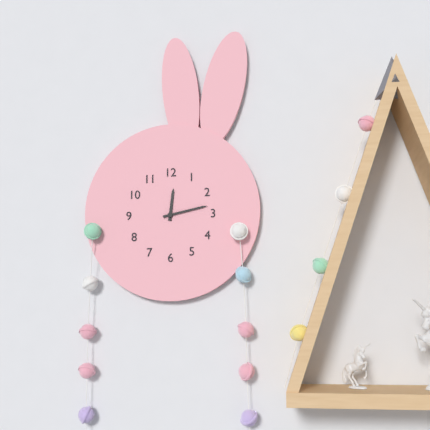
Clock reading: 12h13
